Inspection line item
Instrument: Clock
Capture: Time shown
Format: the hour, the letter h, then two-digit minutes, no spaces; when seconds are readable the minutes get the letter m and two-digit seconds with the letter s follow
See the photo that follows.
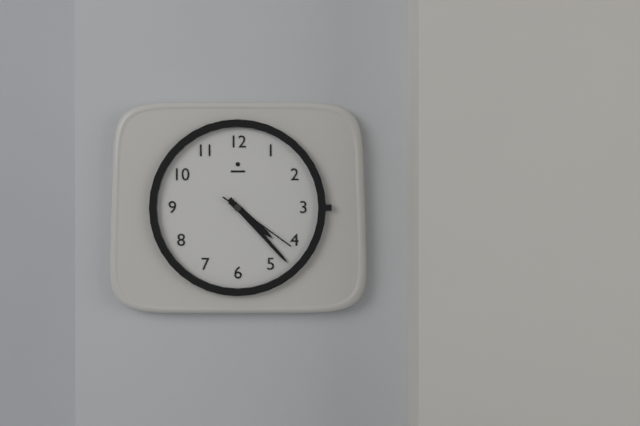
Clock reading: 4h23m21s
